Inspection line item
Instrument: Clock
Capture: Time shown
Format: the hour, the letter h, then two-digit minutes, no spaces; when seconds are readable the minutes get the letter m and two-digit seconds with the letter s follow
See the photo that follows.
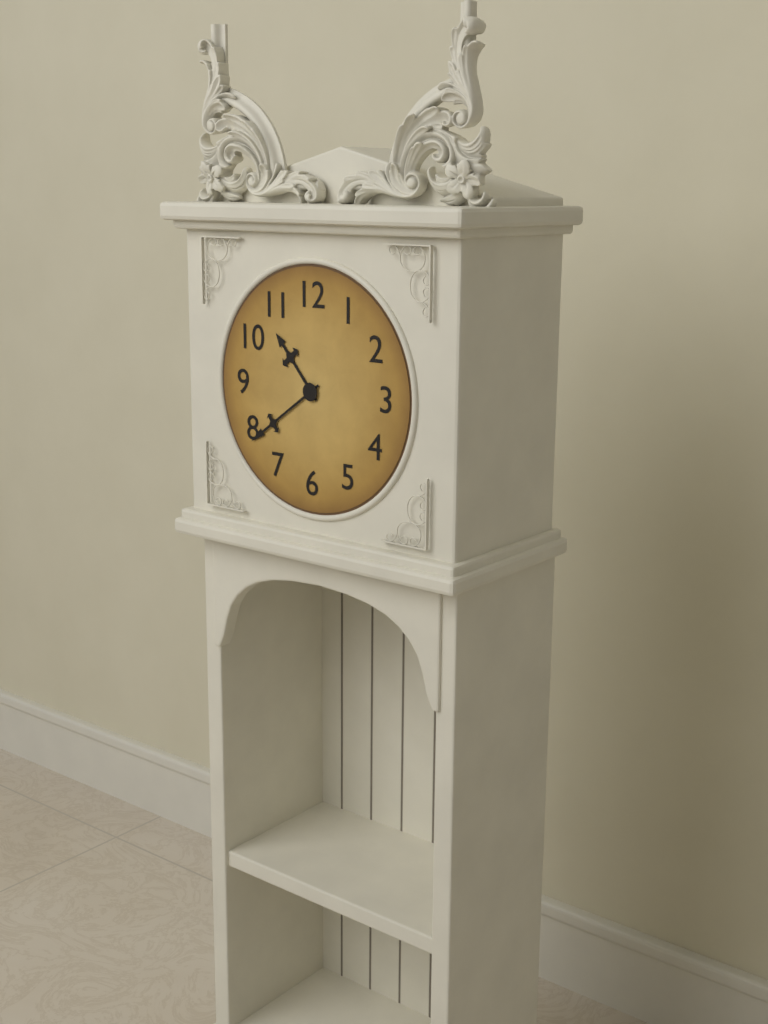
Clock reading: 10h39
